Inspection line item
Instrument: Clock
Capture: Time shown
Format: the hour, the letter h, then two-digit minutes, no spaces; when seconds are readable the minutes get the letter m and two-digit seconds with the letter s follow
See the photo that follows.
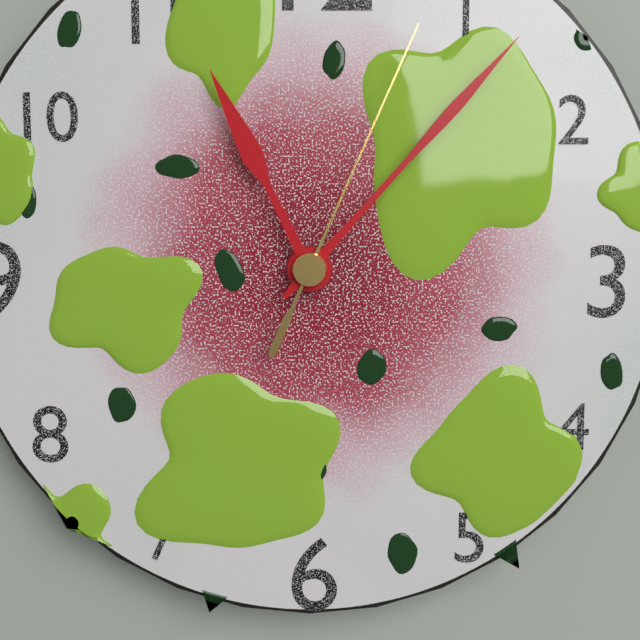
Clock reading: 11h07m04s
